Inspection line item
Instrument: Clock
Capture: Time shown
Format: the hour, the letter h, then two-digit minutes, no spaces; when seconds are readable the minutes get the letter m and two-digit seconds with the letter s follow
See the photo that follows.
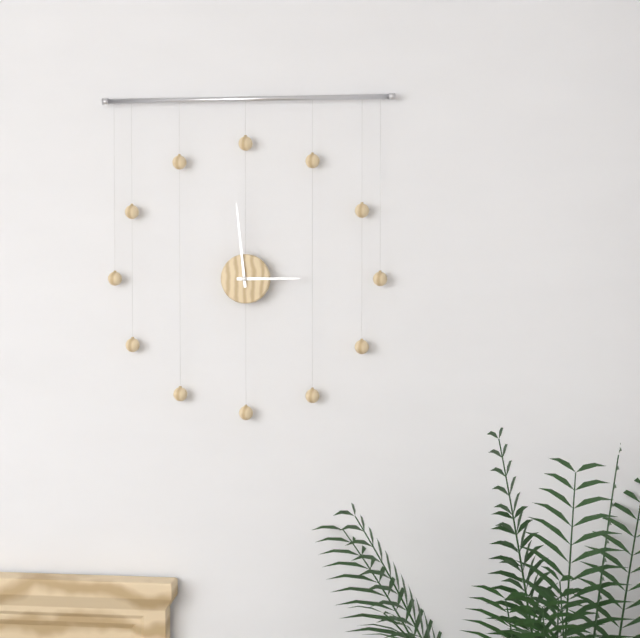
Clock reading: 2h59
